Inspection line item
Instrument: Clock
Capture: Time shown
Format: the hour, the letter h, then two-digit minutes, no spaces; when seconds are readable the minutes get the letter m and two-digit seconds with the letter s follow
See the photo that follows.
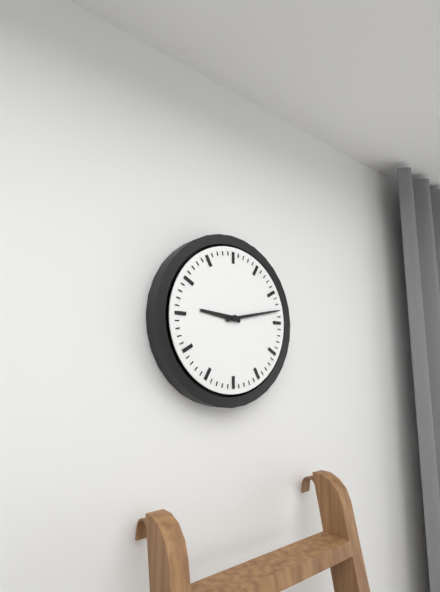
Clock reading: 9h13
